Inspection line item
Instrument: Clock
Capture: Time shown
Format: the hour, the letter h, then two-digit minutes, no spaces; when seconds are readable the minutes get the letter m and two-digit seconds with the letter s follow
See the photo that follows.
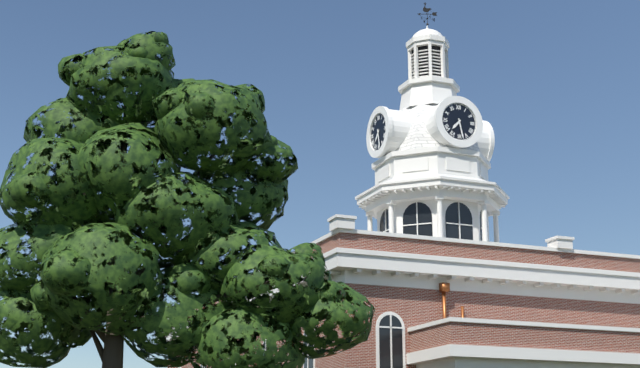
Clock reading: 7h28
